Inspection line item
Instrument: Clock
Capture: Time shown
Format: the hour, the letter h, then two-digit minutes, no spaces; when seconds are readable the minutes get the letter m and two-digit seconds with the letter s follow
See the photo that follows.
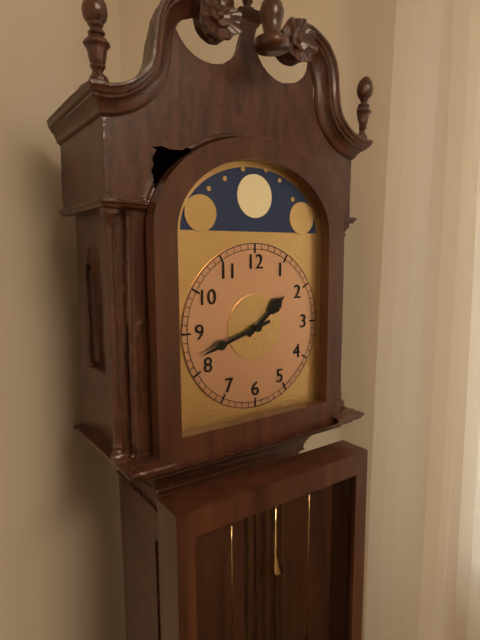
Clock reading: 1h42
